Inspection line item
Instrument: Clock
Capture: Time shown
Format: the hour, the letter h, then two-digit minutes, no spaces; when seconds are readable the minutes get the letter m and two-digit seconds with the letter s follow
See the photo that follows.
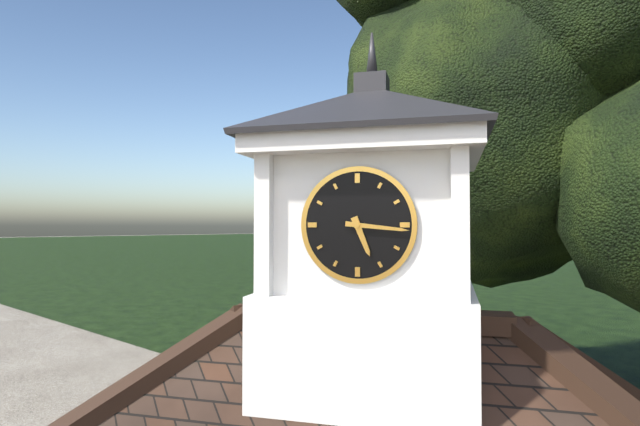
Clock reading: 5h16
